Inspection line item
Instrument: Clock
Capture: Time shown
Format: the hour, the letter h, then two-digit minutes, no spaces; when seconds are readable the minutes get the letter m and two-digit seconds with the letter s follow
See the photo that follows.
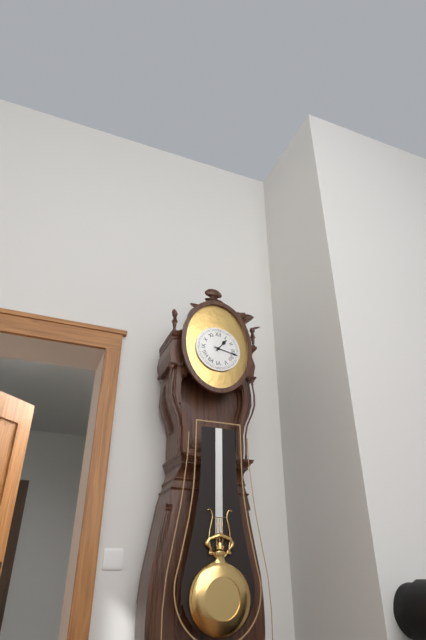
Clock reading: 1h17
